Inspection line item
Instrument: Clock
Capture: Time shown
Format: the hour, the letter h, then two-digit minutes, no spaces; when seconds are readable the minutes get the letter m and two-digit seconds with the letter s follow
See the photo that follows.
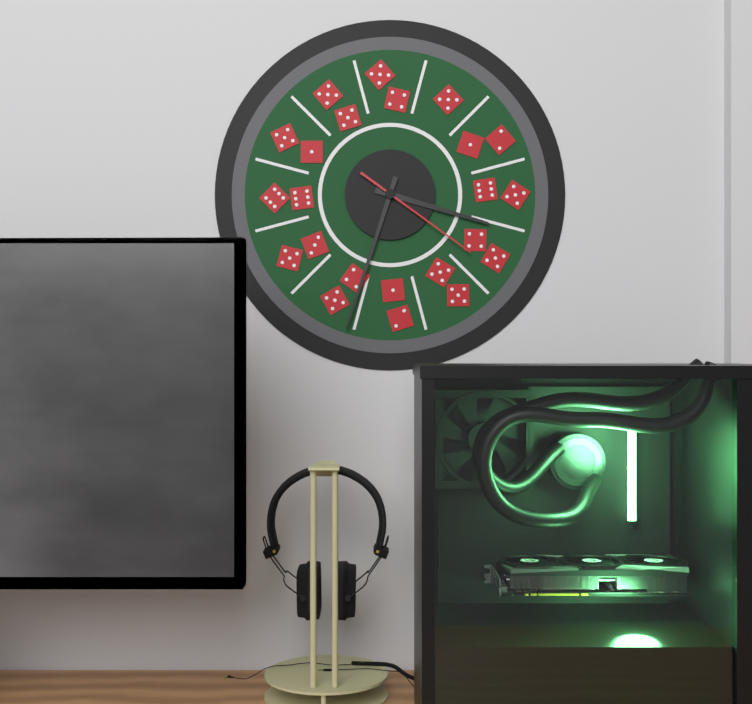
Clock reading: 3h33m21s
